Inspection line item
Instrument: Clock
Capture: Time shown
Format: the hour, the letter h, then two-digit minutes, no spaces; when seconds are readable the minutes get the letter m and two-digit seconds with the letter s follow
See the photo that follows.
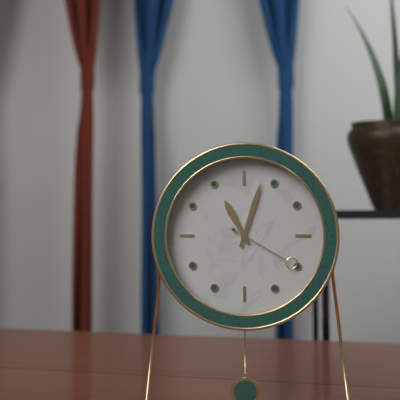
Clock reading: 11h03m20s
